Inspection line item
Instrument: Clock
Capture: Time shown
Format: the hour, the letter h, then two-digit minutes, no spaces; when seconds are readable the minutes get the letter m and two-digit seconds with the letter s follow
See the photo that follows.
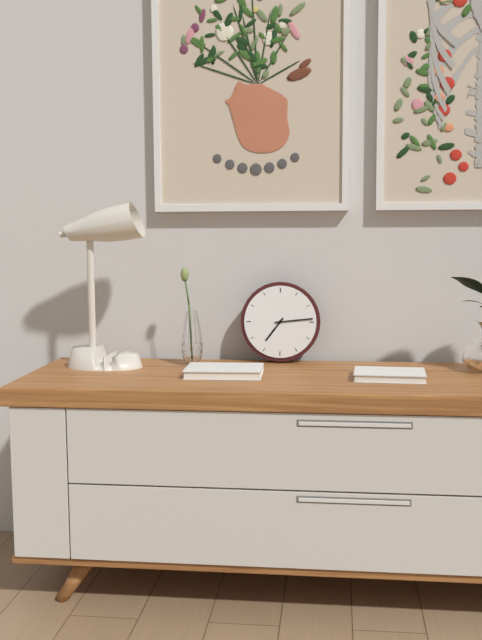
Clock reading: 7h14
